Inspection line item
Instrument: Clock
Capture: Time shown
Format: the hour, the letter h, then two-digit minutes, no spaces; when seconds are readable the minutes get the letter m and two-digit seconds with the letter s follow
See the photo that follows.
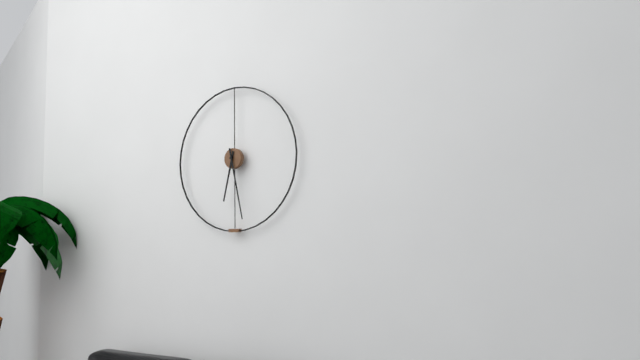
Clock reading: 6h28
